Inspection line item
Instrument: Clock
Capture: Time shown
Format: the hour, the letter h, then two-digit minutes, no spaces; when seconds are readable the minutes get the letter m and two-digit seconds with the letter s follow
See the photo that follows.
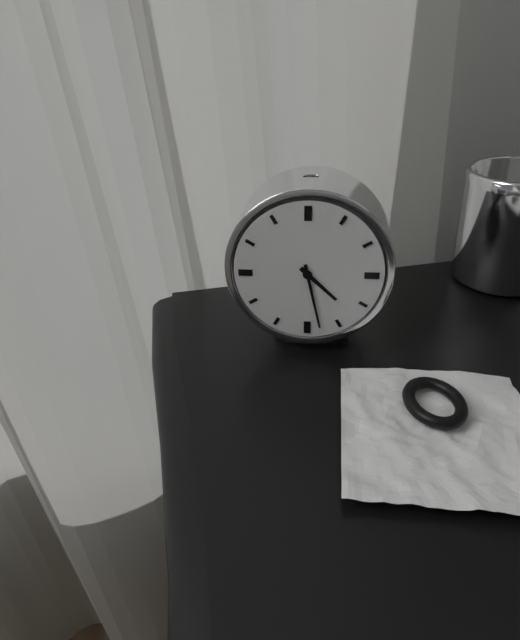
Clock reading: 4h28
